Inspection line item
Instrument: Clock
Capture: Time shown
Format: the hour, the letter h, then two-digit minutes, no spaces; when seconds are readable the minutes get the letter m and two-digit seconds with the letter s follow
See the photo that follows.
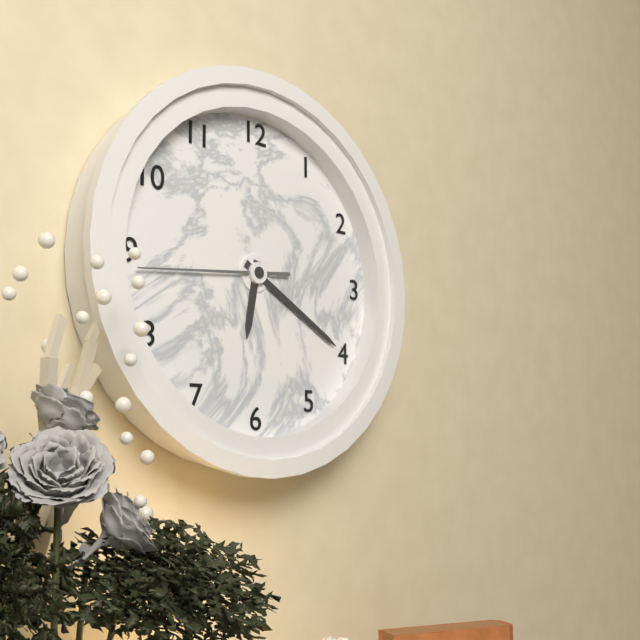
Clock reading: 6h20m44s
